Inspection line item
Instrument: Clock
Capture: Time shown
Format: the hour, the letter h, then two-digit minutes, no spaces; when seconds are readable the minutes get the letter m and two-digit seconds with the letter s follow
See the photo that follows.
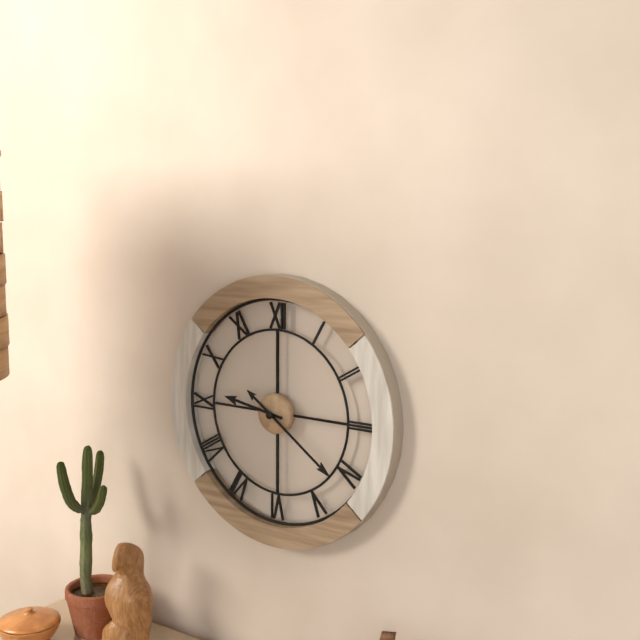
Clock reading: 9h21
